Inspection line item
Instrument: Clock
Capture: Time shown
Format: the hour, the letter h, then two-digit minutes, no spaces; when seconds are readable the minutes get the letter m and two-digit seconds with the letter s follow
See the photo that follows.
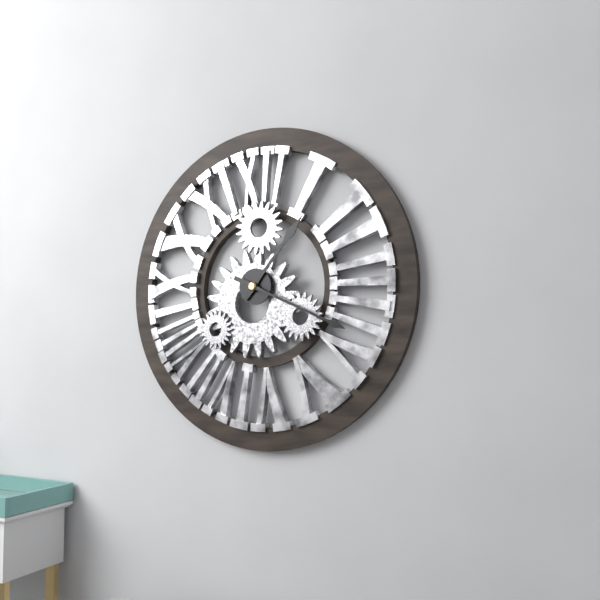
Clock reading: 1h19
